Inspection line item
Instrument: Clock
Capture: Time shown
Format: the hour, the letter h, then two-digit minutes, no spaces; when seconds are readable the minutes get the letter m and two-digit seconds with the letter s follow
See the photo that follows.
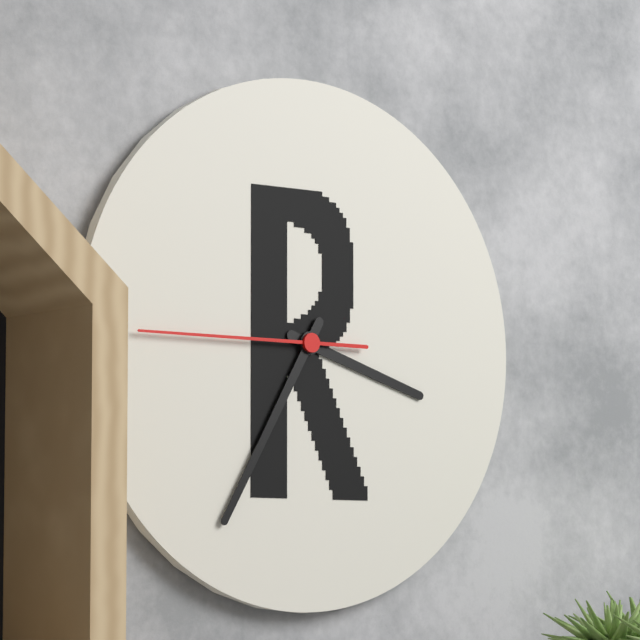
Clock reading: 3h35m45s
